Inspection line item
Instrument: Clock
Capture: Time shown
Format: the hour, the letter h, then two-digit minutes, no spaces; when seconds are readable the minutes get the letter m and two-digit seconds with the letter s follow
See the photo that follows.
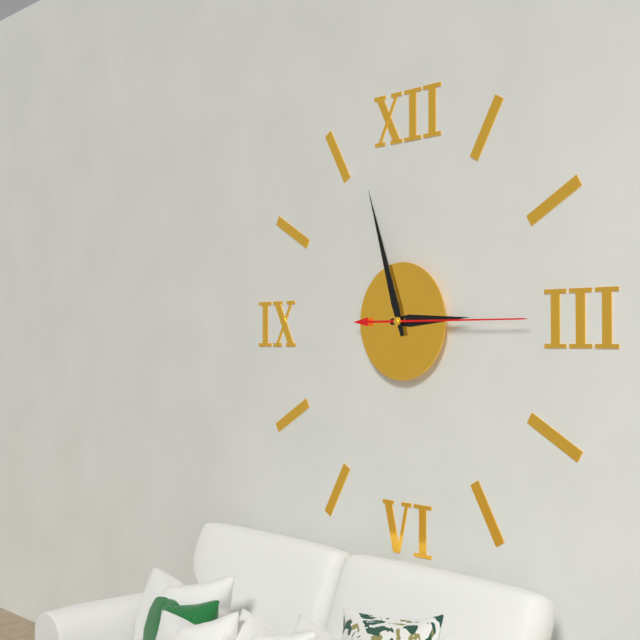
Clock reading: 2h57m15s
